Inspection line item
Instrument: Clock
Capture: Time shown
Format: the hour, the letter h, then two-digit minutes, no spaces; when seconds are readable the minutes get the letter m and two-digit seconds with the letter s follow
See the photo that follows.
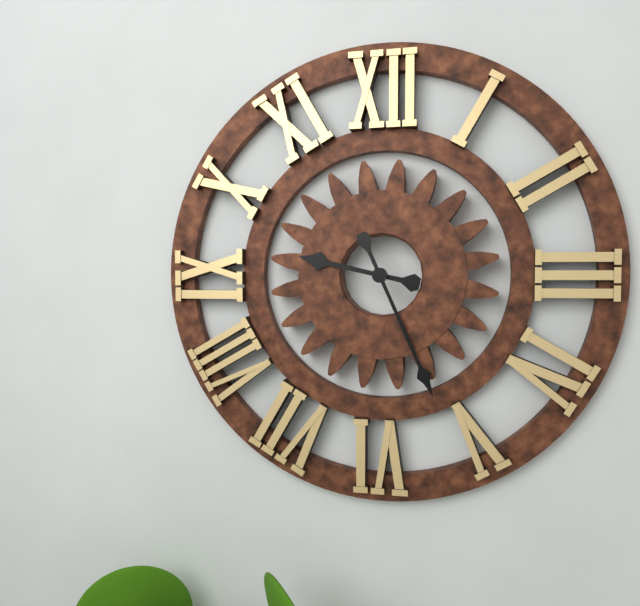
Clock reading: 9h26
